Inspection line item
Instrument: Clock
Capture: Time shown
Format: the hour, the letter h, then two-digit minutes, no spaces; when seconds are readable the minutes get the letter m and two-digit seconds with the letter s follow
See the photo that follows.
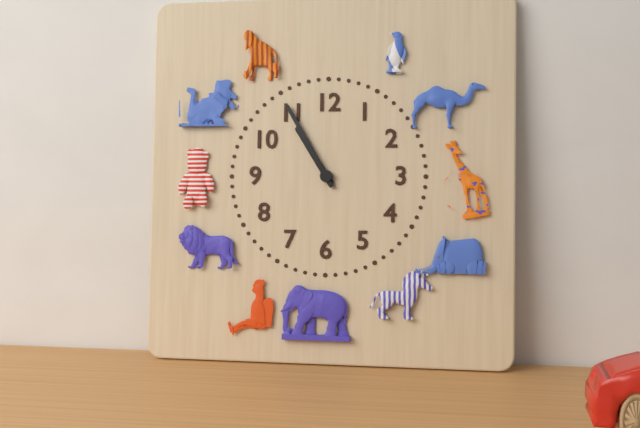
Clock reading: 10h55
